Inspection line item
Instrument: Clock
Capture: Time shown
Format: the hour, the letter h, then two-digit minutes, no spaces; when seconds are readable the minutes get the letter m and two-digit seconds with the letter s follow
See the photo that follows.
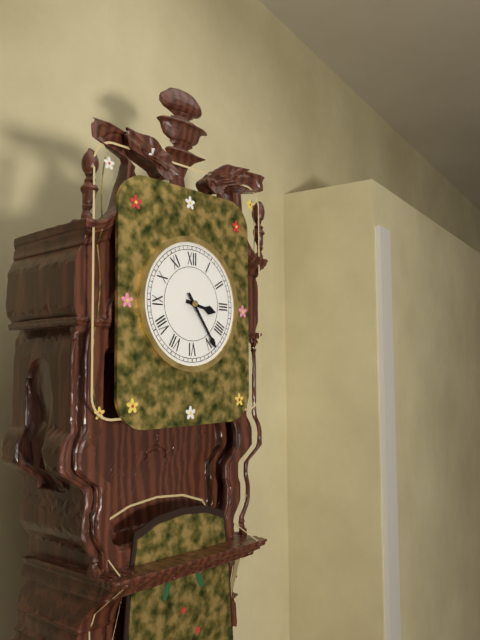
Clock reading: 3h24
